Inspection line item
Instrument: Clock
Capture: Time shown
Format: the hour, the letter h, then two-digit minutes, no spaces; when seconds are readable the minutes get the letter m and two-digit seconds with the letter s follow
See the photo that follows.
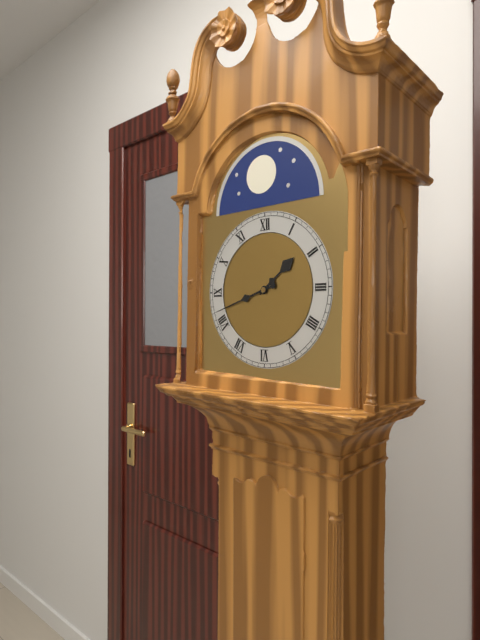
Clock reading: 1h42
